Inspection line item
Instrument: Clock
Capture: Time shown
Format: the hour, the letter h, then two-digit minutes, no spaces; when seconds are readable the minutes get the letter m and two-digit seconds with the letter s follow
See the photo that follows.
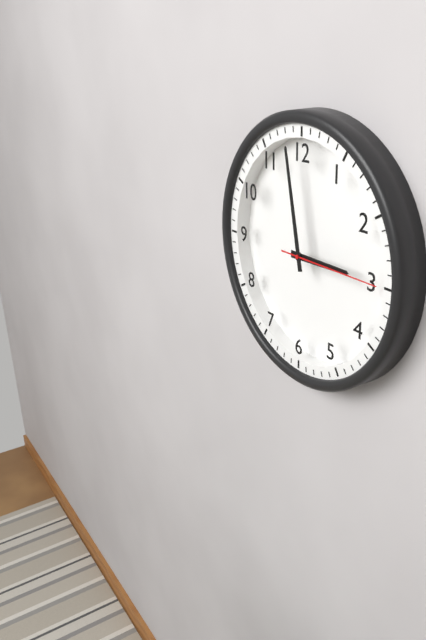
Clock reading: 2h58m15s
